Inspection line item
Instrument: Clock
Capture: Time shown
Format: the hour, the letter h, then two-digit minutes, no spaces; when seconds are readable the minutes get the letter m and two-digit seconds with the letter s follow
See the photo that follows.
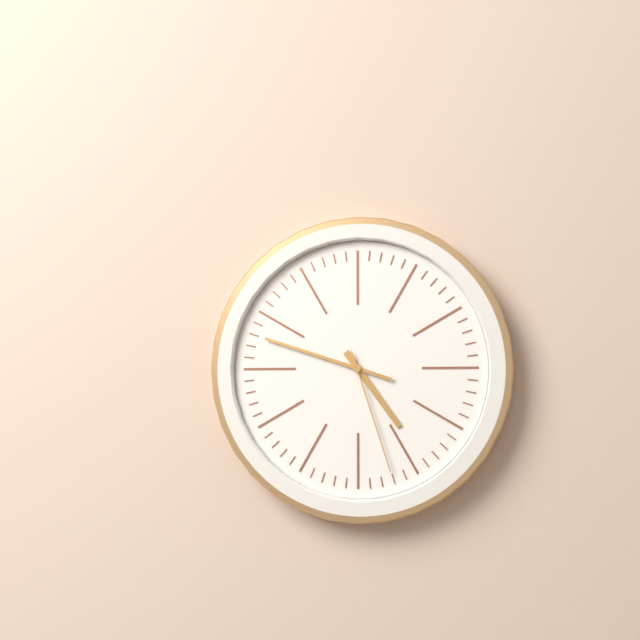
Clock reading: 4h48m27s
